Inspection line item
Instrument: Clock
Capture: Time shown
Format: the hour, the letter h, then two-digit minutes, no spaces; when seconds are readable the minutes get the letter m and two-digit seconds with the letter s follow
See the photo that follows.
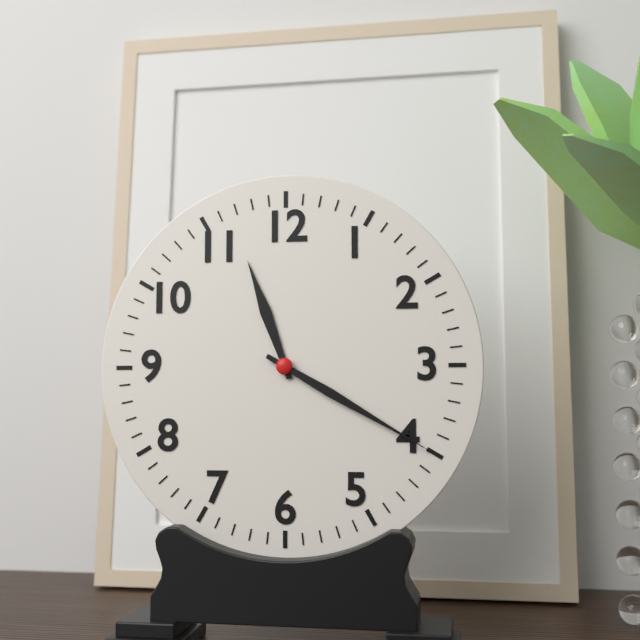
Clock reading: 11h20
